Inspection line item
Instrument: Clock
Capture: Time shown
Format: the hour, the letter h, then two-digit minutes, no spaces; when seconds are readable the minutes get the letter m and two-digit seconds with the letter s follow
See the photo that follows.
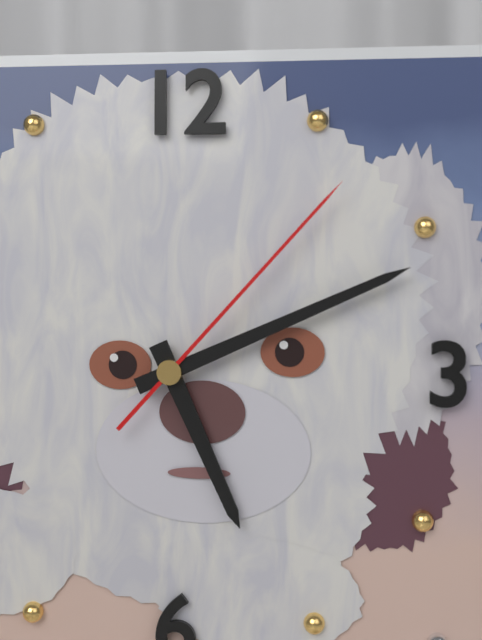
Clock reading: 5h11m07s
